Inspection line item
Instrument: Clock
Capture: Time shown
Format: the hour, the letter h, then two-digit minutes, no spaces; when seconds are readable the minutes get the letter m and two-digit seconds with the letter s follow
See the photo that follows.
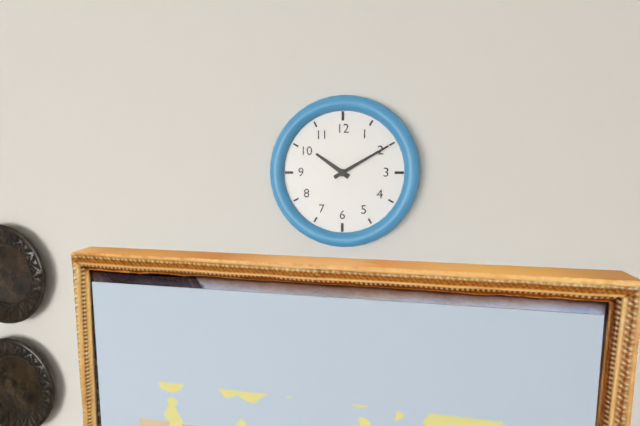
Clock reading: 10h10
